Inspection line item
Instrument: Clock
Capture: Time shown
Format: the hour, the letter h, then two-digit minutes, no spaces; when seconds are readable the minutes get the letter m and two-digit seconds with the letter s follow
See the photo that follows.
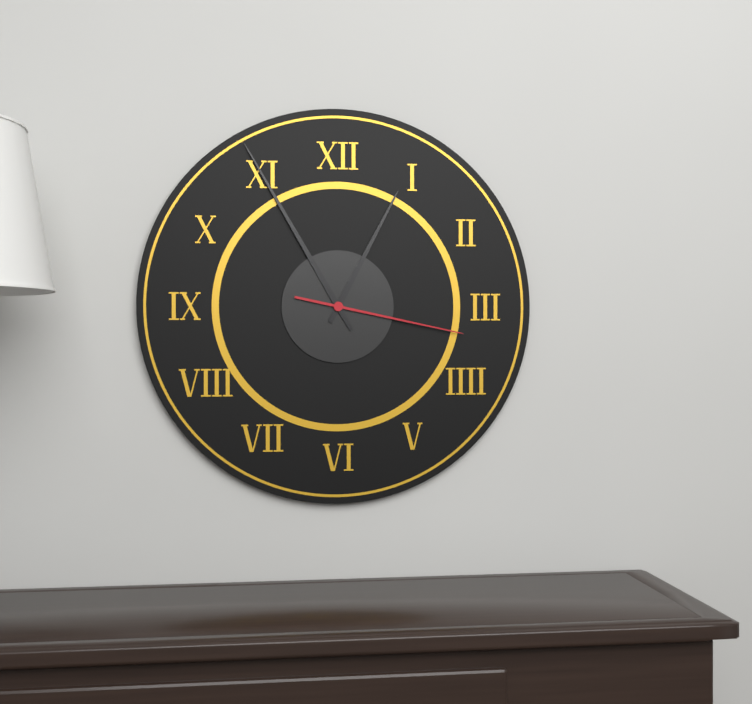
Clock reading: 12h55m17s
